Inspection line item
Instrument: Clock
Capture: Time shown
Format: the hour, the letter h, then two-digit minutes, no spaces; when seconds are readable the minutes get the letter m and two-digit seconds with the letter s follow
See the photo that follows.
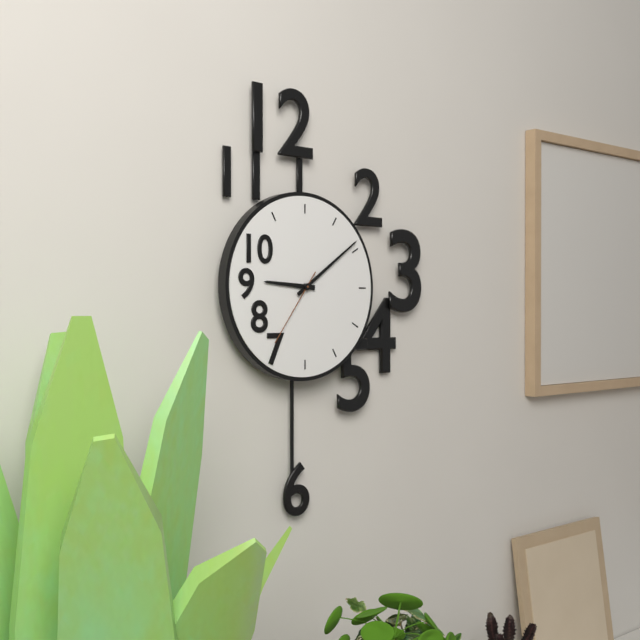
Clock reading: 9h09m36s
